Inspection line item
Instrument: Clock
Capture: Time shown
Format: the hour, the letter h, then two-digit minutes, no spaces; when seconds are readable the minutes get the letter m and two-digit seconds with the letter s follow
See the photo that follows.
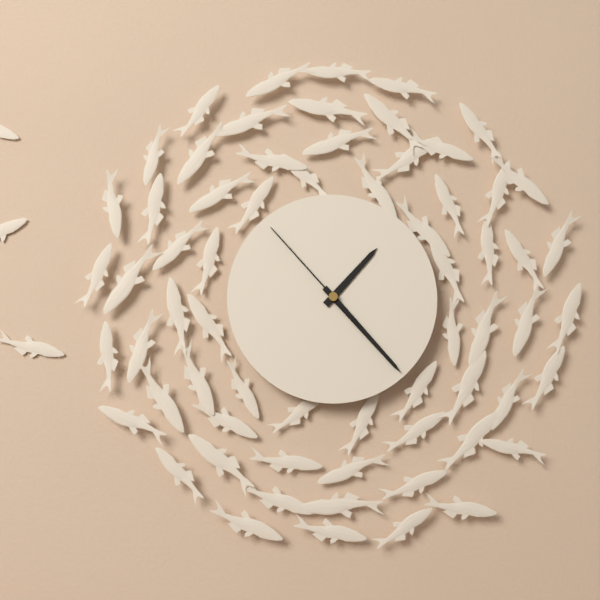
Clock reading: 1h23m53s
